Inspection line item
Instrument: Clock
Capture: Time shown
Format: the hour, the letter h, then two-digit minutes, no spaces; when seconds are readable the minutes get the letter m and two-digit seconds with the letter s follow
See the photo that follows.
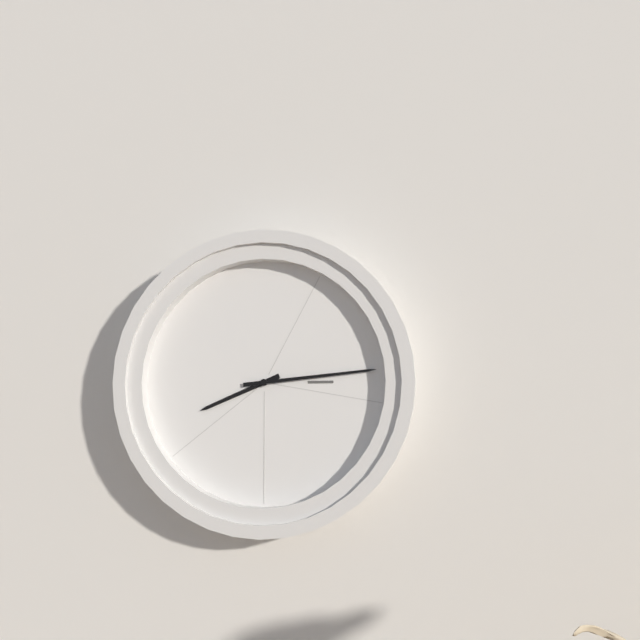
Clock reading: 8h14
